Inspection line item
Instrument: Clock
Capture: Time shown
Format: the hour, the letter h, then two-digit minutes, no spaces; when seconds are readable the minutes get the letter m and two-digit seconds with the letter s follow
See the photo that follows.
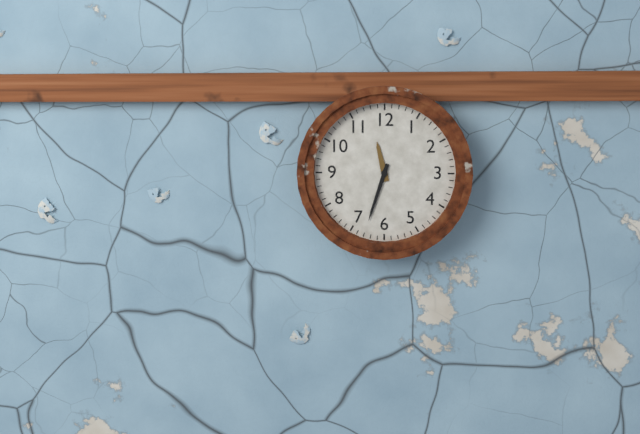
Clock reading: 11h33
